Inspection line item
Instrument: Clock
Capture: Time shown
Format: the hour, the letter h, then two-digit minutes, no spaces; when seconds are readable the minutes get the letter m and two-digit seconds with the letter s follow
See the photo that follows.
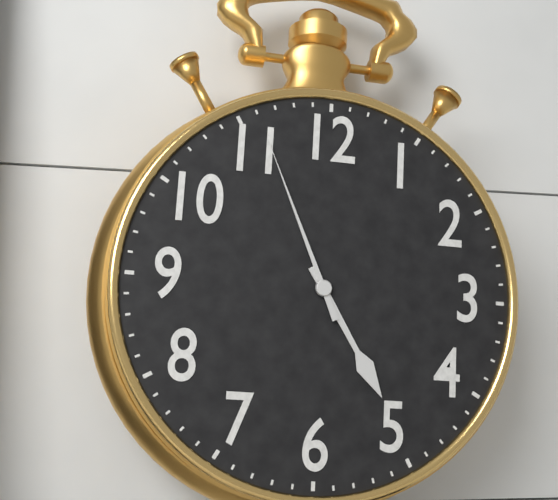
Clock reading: 4h56
